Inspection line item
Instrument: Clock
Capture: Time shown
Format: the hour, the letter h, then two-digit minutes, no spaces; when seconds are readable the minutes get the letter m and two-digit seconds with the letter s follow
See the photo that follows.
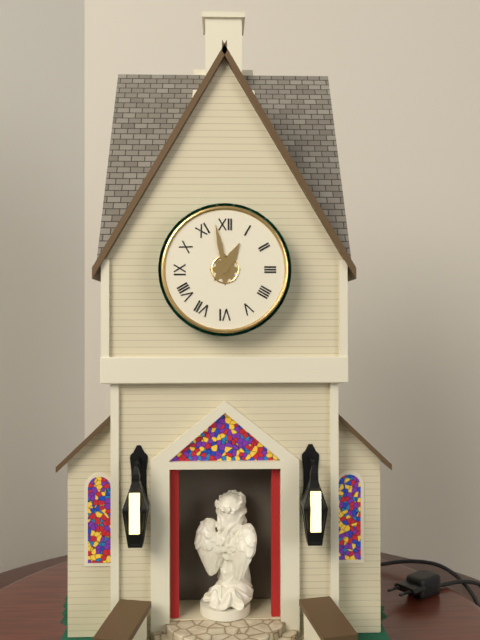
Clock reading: 12h58
